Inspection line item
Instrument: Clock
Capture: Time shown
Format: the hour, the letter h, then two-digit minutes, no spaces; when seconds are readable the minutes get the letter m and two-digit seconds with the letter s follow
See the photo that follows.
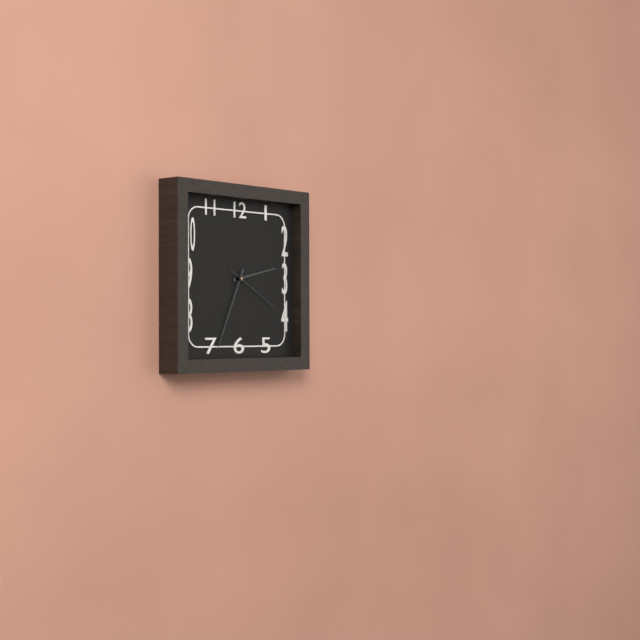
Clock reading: 2h34m20s
